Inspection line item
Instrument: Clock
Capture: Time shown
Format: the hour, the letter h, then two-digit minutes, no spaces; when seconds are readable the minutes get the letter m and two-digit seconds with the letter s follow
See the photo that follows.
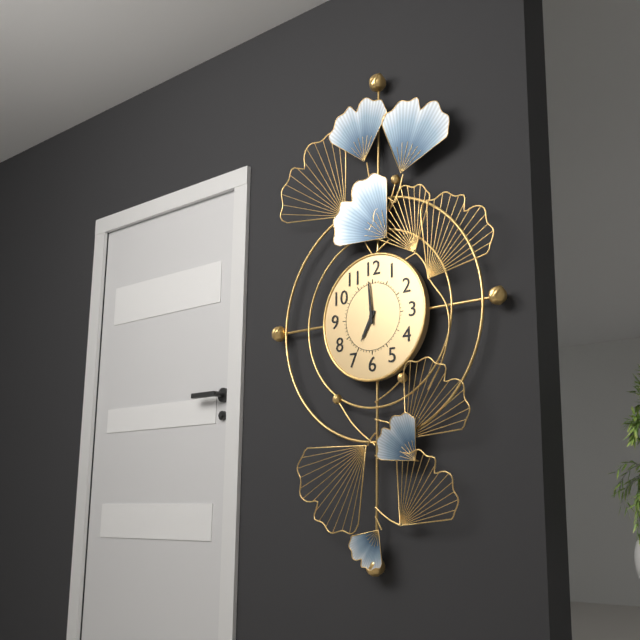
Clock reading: 6h59
